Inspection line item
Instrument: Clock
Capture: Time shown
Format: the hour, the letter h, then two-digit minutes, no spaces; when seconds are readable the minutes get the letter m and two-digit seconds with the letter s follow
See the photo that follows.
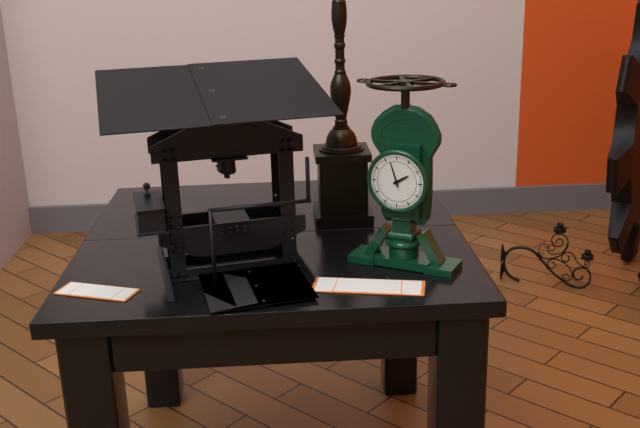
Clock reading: 1h57
